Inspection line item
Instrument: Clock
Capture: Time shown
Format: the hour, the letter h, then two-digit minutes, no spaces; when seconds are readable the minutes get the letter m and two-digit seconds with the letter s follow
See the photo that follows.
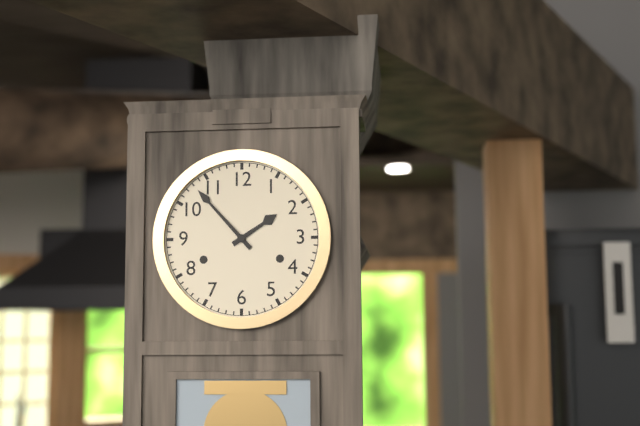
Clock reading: 1h53
